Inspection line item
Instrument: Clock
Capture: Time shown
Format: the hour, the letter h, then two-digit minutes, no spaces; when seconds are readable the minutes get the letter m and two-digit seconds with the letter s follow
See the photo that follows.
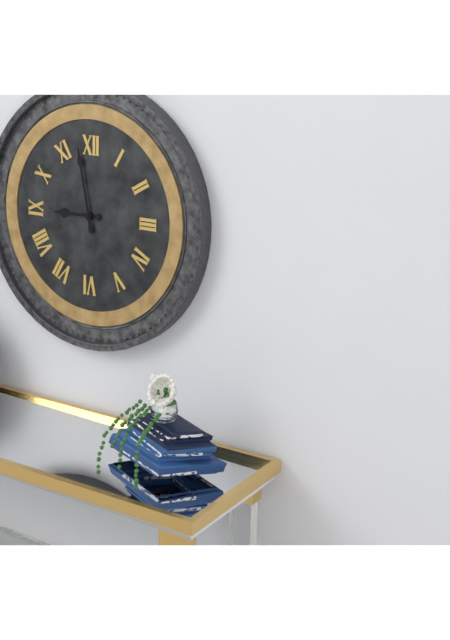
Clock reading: 8h58
